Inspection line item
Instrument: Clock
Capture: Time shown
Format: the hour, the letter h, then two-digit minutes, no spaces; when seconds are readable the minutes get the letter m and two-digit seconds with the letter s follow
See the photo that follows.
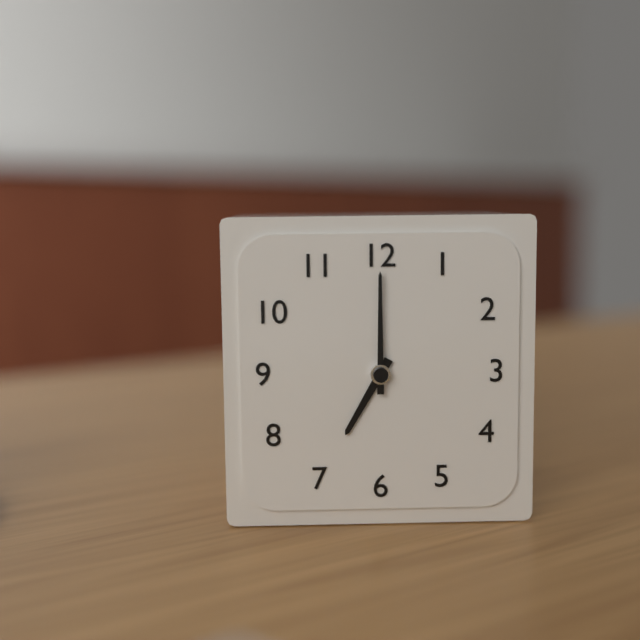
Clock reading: 7h00
